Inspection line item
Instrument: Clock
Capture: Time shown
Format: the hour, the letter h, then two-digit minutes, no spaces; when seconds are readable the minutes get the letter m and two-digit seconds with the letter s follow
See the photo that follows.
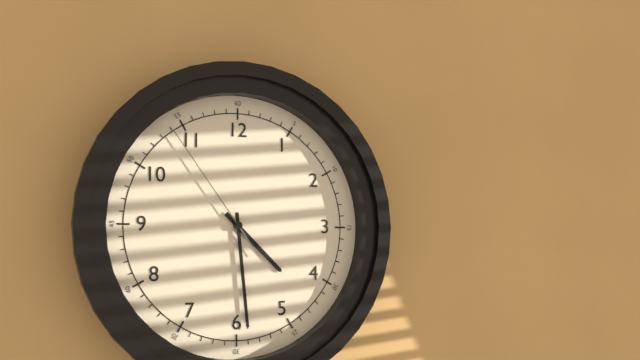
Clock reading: 4h29m54s
